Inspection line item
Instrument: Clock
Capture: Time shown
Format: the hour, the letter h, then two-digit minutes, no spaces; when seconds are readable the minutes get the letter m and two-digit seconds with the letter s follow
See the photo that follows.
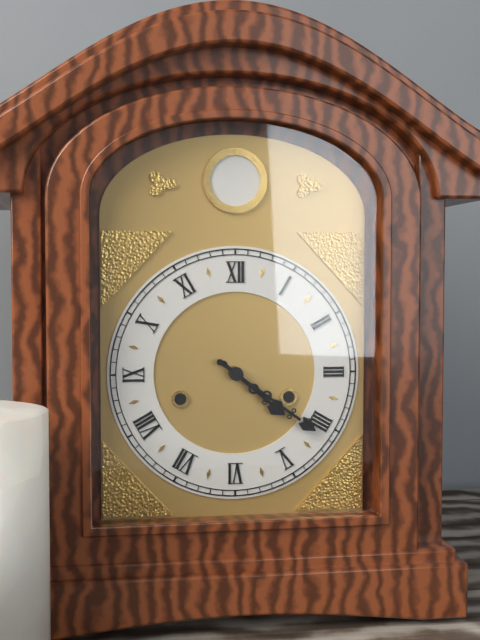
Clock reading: 4h21
